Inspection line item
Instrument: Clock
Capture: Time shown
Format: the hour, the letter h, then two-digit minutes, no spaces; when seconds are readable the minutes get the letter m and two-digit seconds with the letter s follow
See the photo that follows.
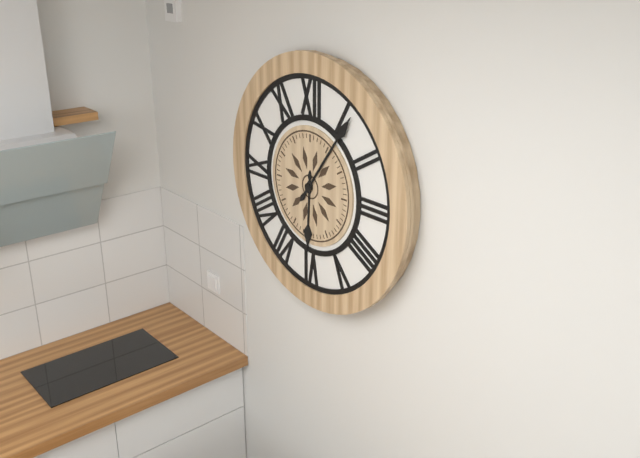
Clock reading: 6h06
